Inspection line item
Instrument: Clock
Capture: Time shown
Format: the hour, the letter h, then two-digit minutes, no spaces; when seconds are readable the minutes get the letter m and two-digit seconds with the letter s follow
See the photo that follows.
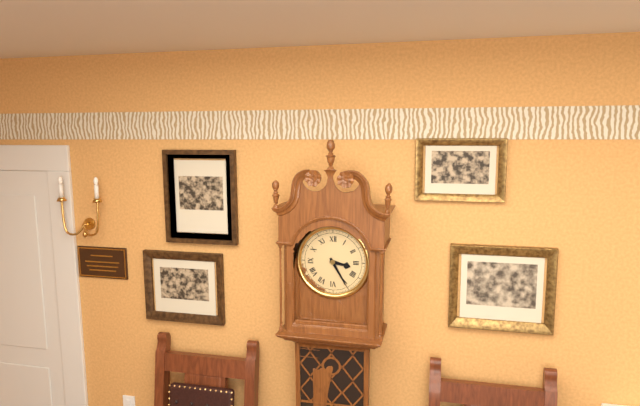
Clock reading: 3h25
